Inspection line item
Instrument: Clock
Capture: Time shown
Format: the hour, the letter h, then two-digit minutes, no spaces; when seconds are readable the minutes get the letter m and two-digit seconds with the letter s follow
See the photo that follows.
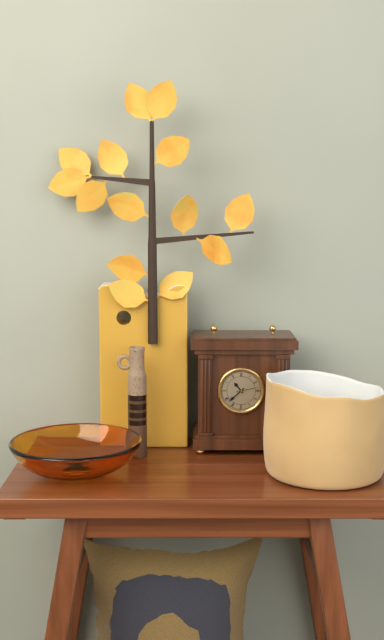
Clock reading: 10h38
